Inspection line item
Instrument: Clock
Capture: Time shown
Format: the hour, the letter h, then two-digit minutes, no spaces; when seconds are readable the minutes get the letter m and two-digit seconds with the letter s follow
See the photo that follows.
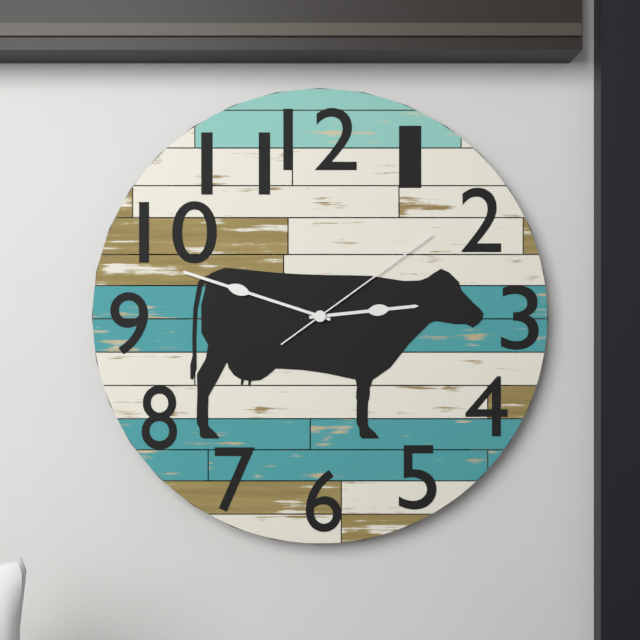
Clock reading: 2h48m09s
